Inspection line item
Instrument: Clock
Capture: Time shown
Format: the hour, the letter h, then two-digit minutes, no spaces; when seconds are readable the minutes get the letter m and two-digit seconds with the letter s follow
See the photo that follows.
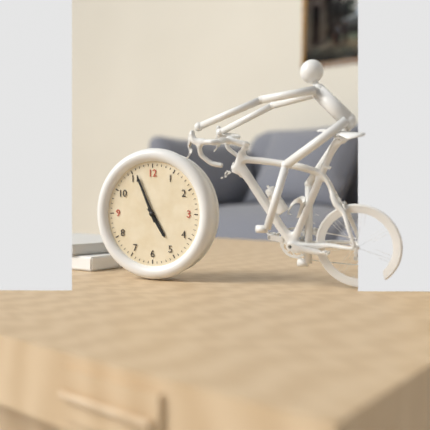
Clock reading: 4h56
